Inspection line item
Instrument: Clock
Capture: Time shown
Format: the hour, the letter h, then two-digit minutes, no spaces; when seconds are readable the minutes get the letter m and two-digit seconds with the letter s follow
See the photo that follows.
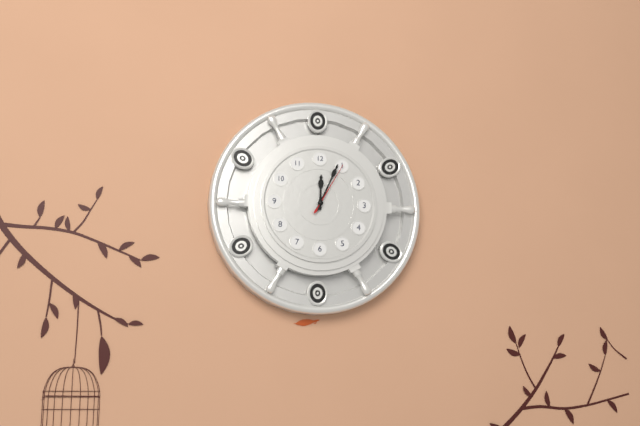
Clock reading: 12h04m05s
